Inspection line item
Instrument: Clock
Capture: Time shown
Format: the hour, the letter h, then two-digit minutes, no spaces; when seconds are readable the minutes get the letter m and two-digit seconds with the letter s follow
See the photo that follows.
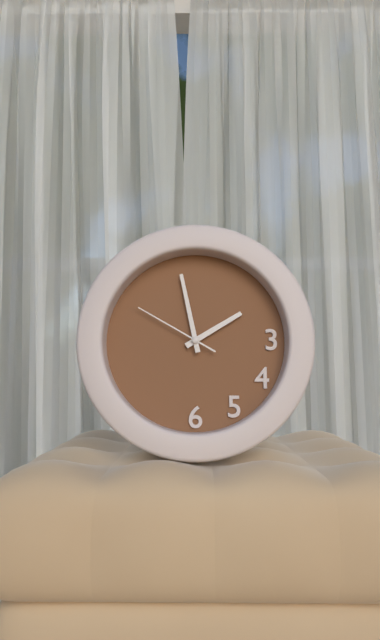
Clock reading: 1h58m50s
